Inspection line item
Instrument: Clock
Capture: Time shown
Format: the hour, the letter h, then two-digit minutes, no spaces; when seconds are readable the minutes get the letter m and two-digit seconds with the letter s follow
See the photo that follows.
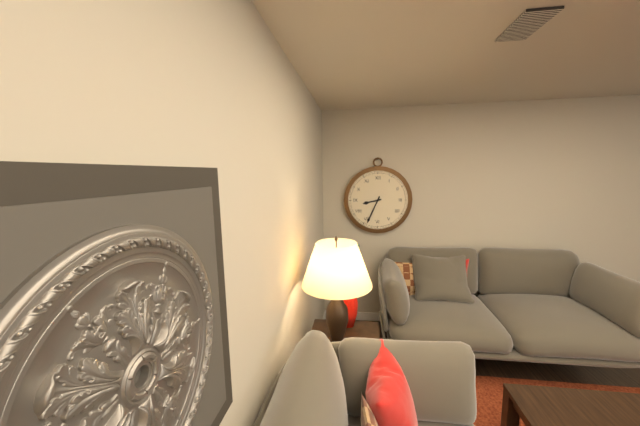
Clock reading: 8h34
